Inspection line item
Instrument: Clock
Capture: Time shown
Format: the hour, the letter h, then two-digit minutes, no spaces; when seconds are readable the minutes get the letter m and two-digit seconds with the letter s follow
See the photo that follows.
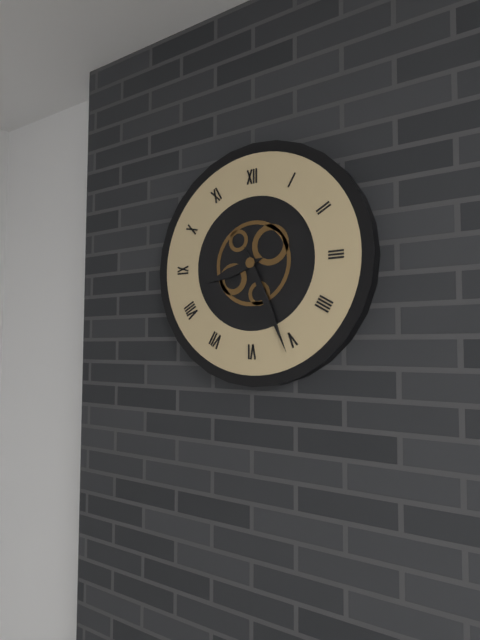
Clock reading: 8h26
